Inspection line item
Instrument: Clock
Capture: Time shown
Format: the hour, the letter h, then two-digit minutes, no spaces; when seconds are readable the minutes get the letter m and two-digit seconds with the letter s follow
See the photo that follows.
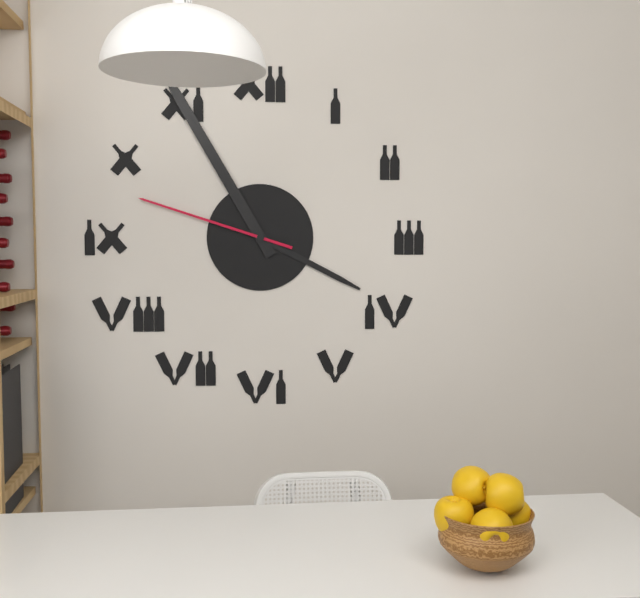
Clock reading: 3h55m48s
